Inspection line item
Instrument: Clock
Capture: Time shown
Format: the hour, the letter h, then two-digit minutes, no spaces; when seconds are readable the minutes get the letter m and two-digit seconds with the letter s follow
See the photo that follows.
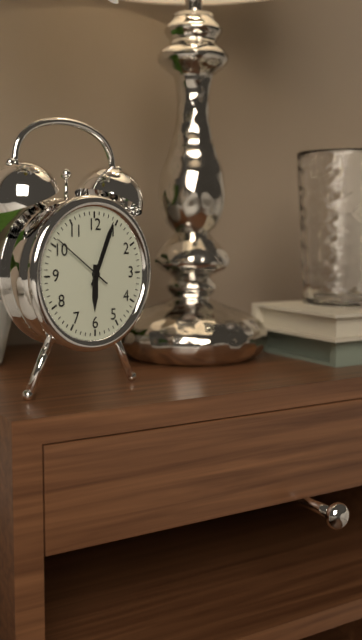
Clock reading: 6h04m51s
